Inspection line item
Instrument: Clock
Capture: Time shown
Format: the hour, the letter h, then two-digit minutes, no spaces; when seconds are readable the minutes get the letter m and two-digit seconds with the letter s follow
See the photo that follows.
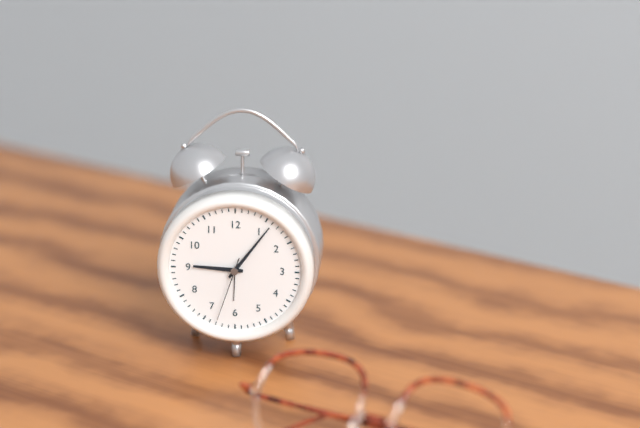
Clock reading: 9h06m33s
